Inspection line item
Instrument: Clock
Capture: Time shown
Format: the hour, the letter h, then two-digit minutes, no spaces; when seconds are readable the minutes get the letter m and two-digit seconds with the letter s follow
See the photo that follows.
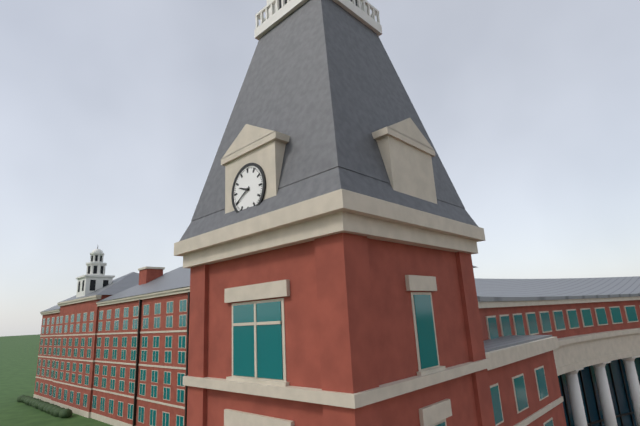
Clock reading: 9h40
